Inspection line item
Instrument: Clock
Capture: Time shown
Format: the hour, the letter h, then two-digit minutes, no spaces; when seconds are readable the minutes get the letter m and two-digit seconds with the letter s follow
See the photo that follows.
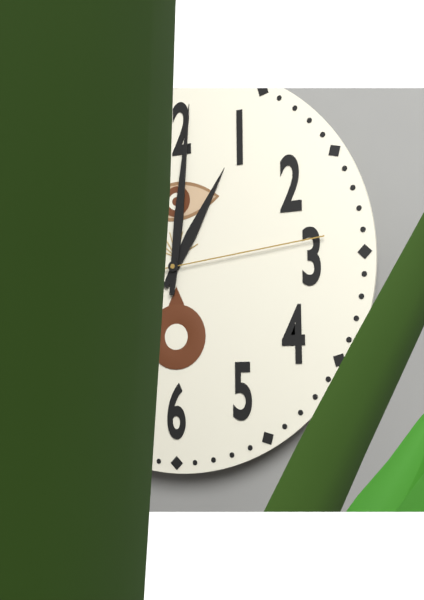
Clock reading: 1h01m14s
